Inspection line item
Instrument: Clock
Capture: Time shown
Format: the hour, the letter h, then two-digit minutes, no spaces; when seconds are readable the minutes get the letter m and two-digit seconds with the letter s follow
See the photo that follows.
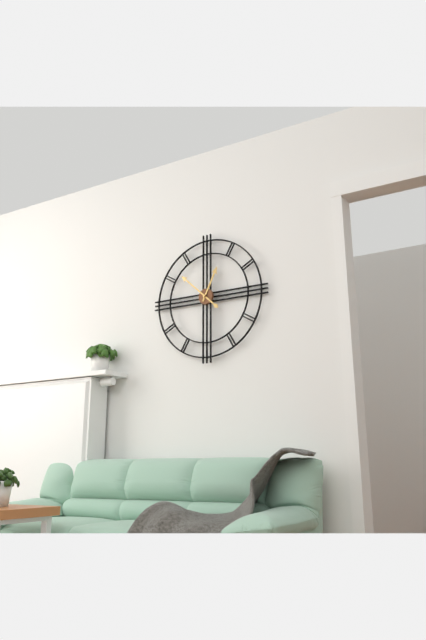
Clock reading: 12h52
